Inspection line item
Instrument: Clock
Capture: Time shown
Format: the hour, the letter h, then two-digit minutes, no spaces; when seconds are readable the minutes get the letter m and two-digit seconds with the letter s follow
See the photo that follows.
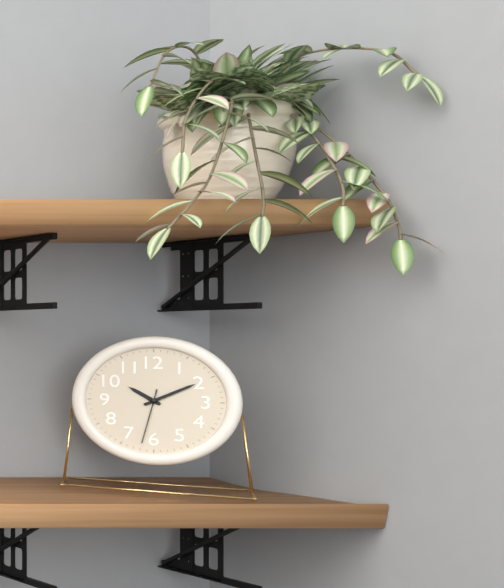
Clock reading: 10h10m32s
